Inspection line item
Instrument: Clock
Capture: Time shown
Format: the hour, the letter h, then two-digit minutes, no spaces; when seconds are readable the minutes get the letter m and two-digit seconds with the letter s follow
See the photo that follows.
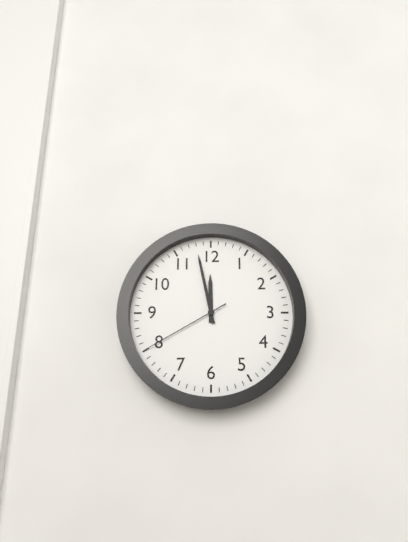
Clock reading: 11h58m40s
